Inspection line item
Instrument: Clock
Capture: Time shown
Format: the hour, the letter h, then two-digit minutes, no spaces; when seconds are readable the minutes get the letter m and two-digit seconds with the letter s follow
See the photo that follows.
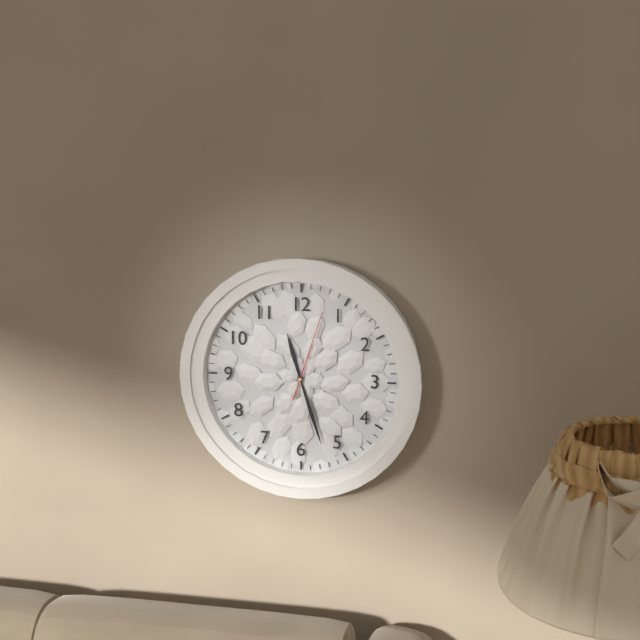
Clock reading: 11h27m03s
